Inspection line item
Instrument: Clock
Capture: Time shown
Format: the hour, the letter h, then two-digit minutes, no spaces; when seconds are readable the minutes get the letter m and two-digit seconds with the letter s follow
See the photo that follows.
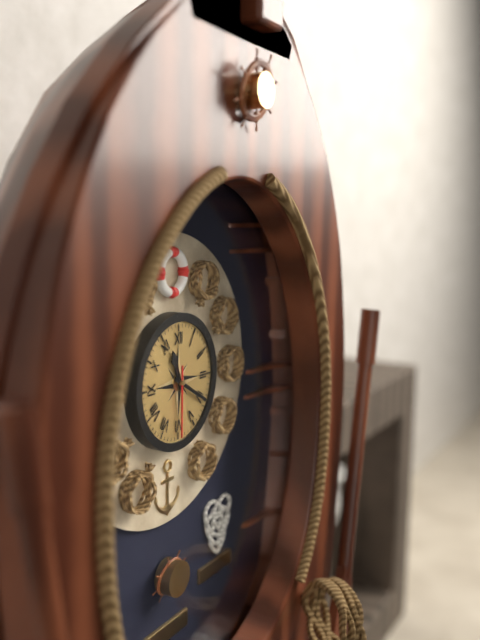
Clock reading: 11h20m30s
